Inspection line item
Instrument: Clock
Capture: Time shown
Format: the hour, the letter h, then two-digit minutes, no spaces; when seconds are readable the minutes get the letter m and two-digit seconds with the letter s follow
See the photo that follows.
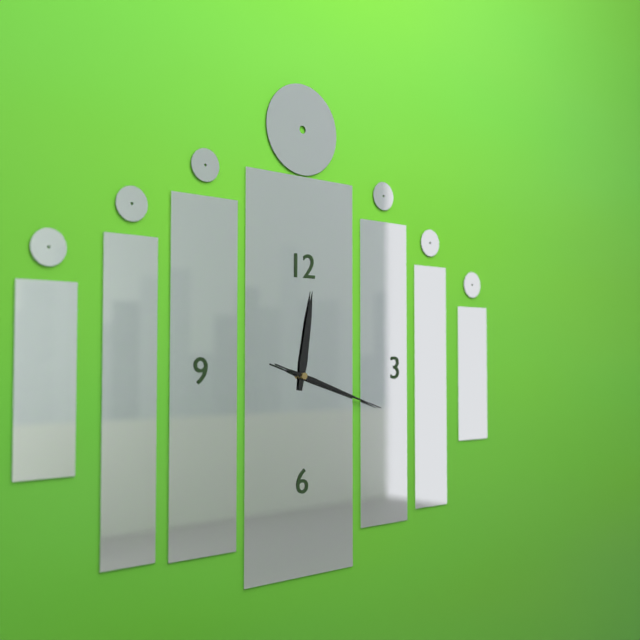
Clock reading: 12h18m18s
